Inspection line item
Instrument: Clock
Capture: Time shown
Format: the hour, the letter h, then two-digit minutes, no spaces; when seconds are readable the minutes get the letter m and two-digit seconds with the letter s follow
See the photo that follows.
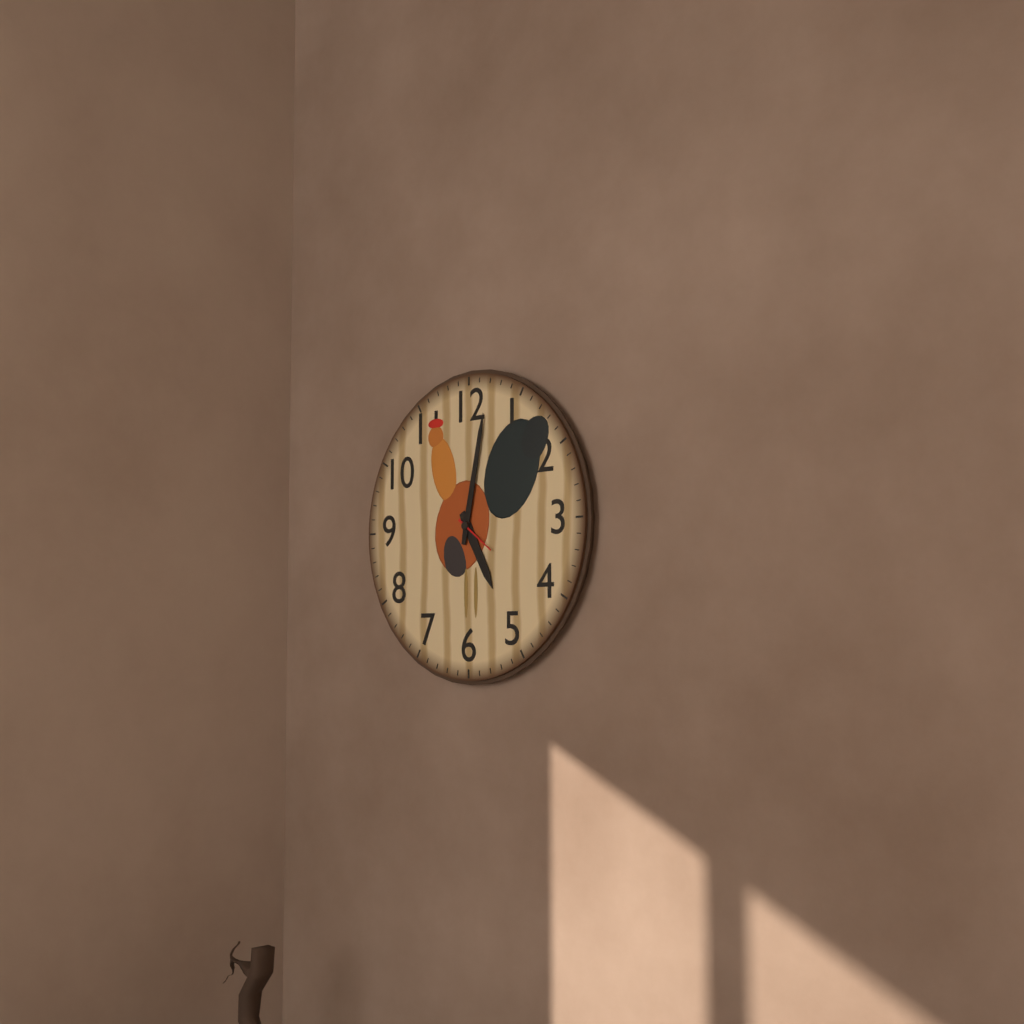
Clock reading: 5h02
